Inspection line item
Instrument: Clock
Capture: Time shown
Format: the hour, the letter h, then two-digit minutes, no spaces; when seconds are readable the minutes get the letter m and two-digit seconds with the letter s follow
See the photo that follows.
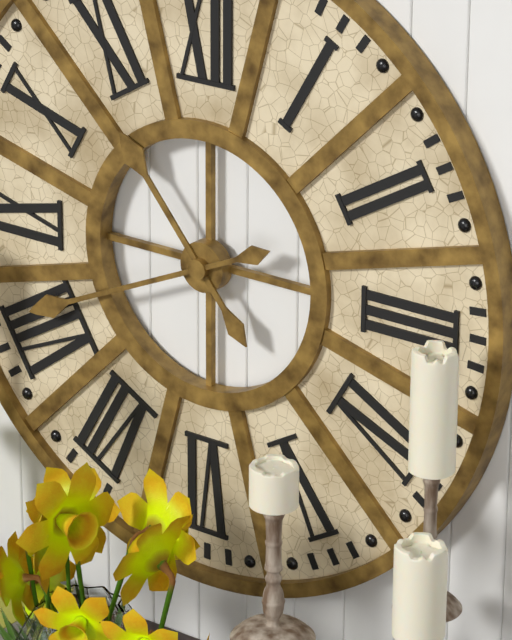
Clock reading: 10h41
